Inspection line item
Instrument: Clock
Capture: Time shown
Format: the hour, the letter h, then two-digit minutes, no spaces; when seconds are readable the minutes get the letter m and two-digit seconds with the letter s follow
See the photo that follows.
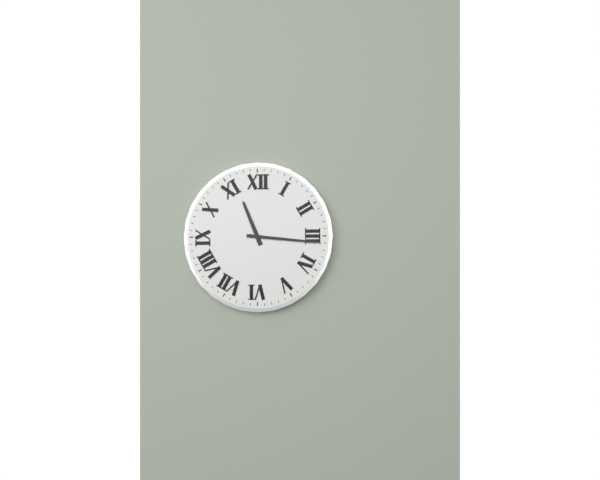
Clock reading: 11h16
